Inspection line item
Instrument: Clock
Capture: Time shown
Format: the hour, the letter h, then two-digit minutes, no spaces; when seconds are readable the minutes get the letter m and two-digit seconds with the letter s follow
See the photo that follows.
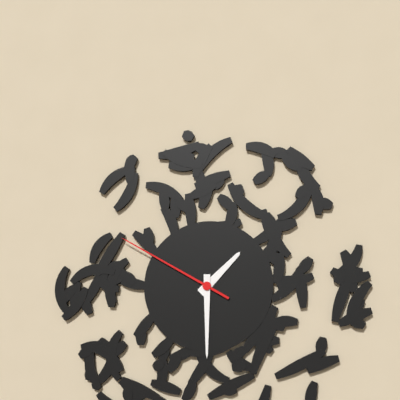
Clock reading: 1h30m50s
